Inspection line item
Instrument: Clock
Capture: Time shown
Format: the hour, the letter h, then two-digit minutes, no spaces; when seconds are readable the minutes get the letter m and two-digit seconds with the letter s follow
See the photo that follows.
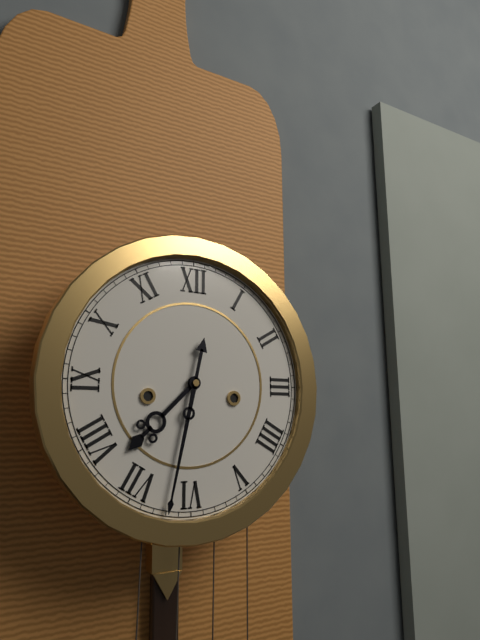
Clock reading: 7h32
